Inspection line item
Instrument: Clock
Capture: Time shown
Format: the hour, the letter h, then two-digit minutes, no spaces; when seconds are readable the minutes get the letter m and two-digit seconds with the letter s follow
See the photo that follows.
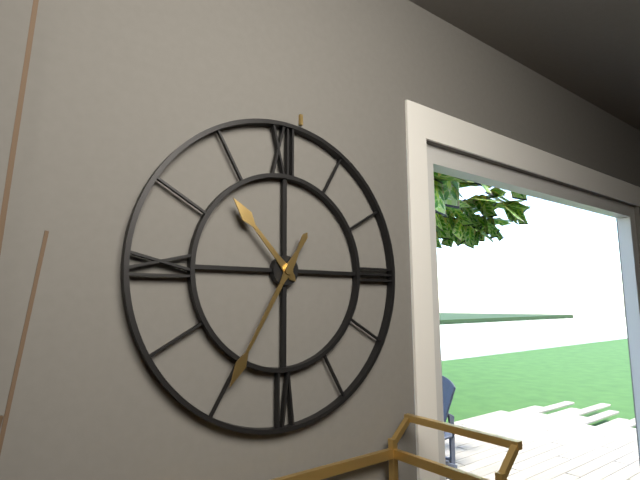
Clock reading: 10h35
